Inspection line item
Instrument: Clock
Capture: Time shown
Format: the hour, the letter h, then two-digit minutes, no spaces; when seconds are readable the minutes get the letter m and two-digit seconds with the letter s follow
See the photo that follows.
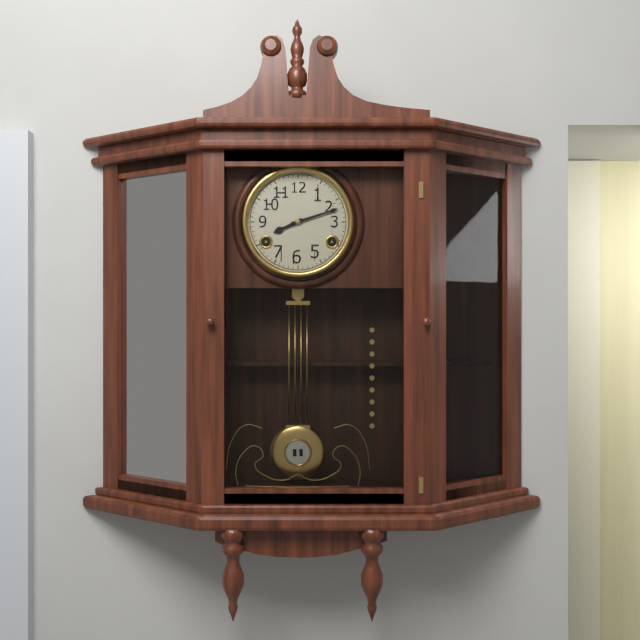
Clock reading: 8h12
